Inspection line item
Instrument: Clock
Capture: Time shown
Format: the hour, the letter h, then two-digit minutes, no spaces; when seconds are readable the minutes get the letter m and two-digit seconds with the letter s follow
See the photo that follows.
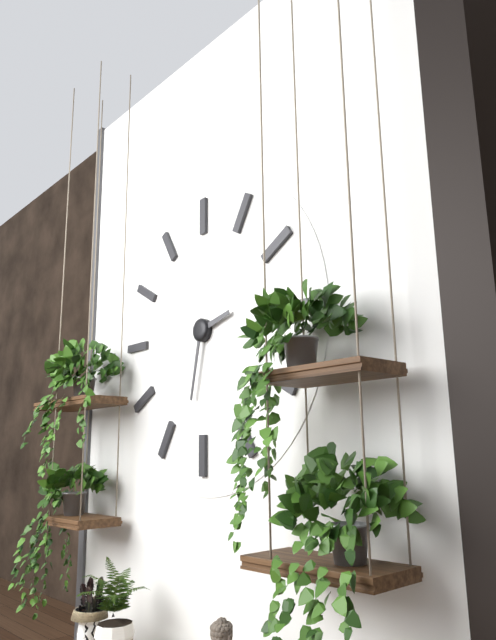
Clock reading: 2h32
